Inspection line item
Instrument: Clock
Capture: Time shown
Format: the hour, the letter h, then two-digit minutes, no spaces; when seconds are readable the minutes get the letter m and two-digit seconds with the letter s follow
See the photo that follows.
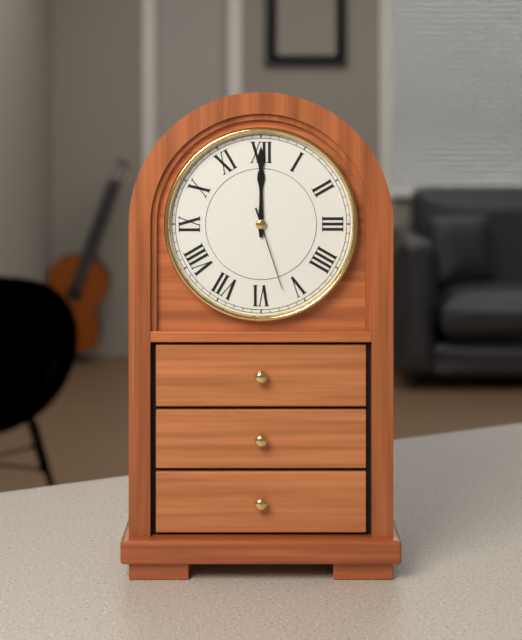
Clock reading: 12h00m27s
